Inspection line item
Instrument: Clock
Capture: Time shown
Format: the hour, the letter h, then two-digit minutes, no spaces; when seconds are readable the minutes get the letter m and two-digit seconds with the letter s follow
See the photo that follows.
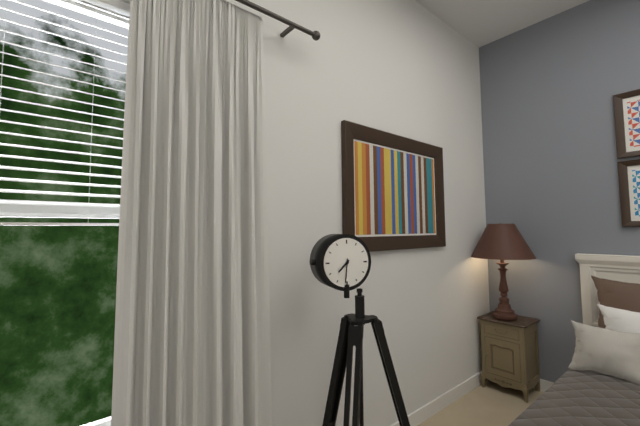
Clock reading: 7h31
